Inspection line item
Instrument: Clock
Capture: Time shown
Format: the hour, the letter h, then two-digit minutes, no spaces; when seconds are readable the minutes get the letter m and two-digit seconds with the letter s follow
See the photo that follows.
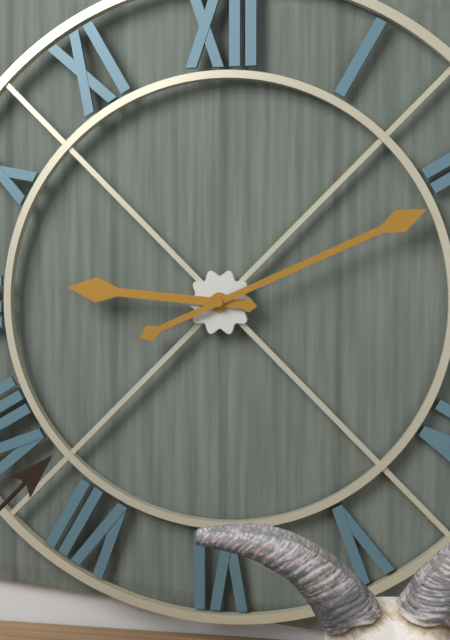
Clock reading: 9h11
